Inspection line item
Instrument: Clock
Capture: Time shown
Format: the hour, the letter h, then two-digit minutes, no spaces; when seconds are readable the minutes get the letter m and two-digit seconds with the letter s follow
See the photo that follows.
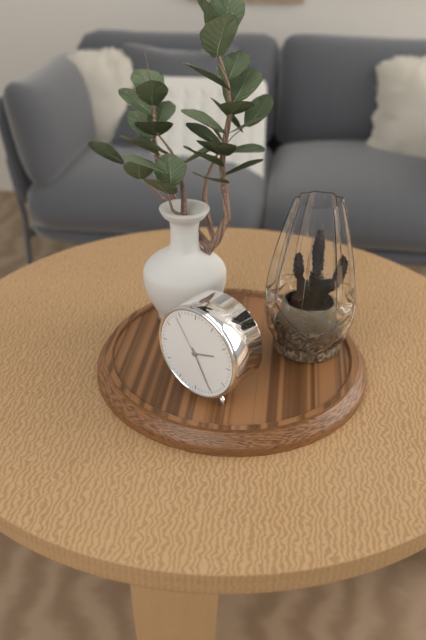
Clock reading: 2h25m54s
